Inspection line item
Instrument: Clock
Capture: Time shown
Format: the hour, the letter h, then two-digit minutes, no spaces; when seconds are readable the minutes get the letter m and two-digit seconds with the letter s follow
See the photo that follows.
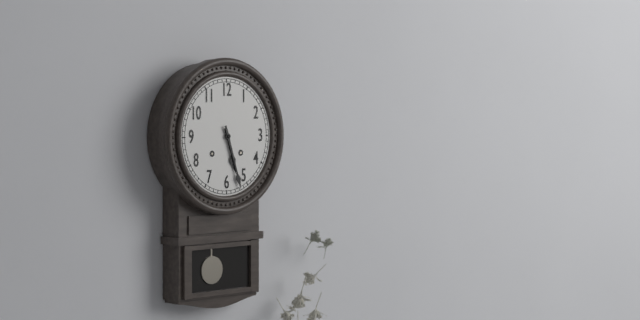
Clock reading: 5h27
